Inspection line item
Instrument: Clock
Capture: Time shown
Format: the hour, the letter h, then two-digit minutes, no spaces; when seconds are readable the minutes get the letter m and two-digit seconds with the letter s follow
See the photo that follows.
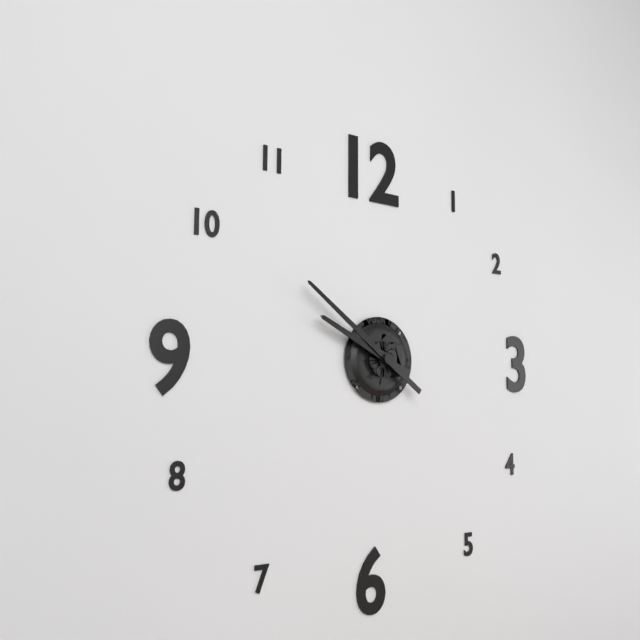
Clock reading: 9h51
